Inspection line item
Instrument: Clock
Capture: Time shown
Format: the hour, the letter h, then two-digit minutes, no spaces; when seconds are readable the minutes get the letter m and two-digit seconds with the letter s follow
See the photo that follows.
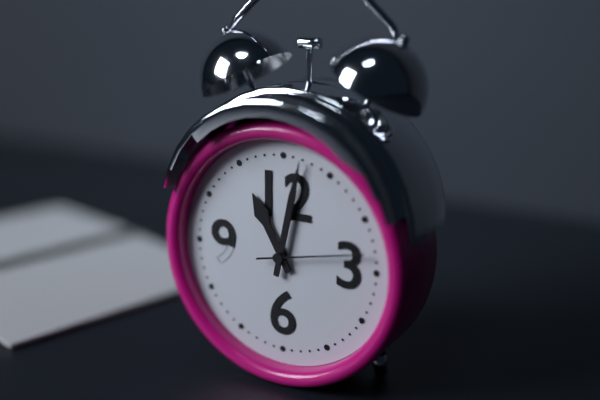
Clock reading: 11h02m13s
